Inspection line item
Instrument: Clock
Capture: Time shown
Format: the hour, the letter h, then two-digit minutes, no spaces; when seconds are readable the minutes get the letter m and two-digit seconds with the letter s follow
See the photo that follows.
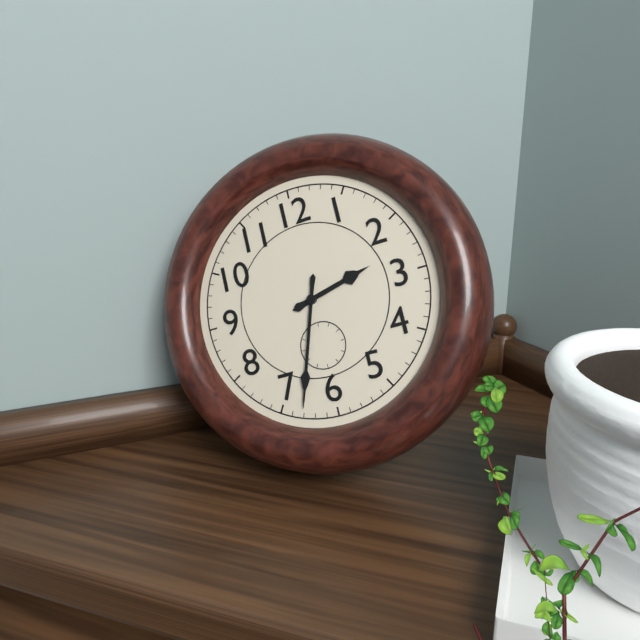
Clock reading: 2h33
